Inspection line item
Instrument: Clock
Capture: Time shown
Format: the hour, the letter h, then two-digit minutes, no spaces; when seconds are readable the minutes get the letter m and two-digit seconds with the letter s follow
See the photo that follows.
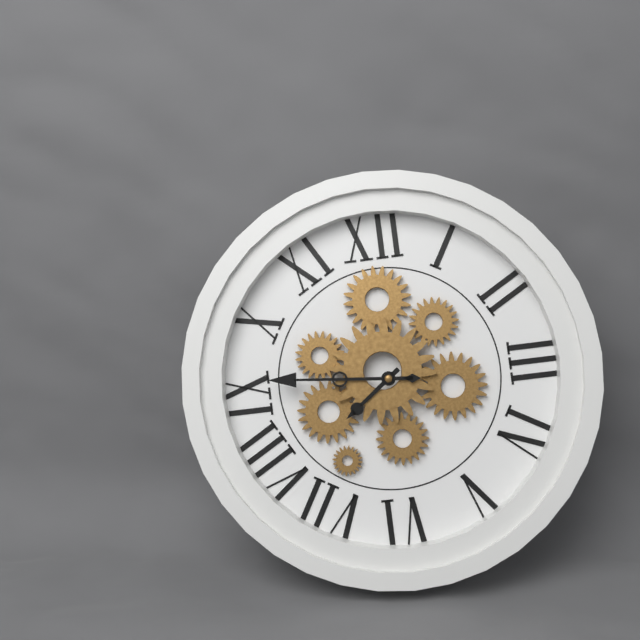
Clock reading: 7h46
